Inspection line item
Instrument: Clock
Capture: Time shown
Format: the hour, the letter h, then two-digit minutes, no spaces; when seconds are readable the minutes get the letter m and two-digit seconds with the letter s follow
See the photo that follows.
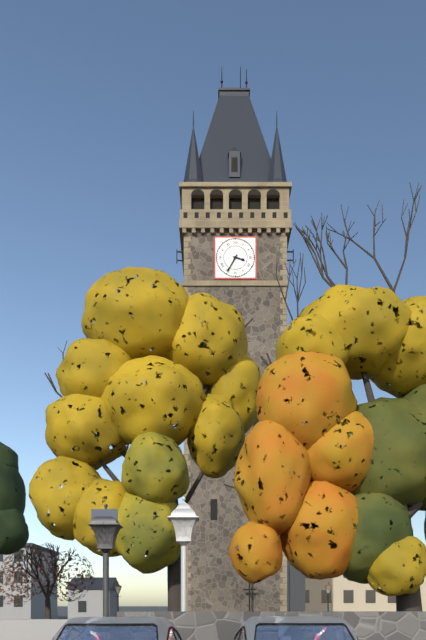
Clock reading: 3h35
